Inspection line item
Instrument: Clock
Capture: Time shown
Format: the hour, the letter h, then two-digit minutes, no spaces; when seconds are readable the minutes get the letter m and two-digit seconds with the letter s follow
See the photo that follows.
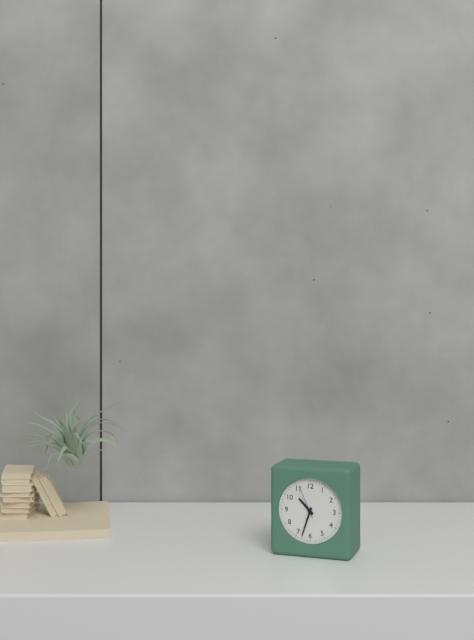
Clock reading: 10h33
